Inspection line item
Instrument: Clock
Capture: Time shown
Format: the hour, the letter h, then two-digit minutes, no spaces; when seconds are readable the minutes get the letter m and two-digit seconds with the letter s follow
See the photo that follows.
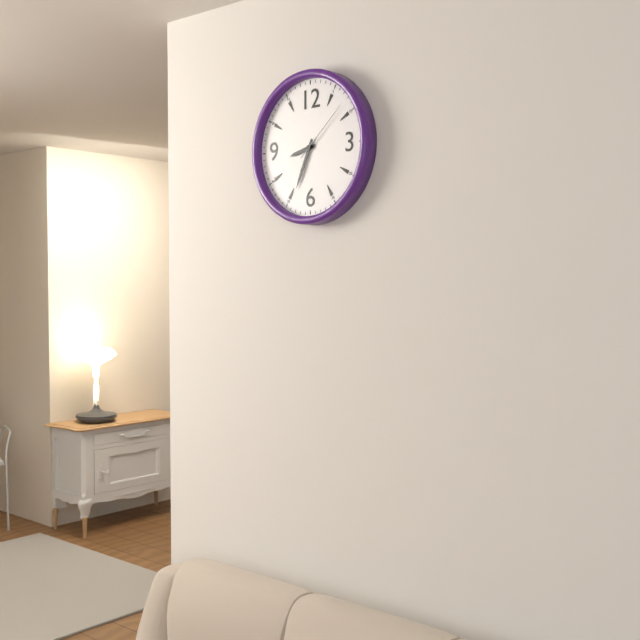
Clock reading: 8h34m08s
